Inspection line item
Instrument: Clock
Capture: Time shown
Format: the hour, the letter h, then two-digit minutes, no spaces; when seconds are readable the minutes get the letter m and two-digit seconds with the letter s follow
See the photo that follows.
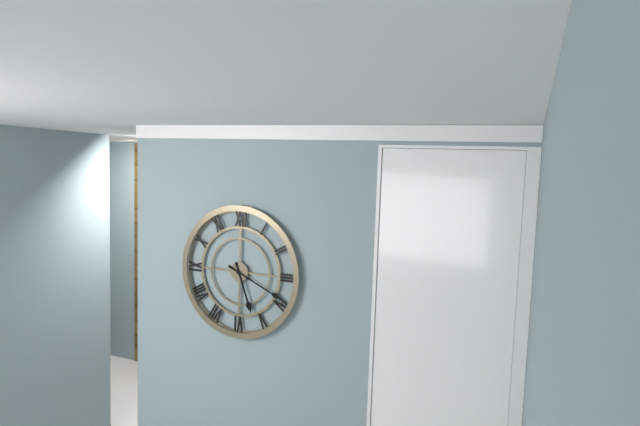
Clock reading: 5h19
